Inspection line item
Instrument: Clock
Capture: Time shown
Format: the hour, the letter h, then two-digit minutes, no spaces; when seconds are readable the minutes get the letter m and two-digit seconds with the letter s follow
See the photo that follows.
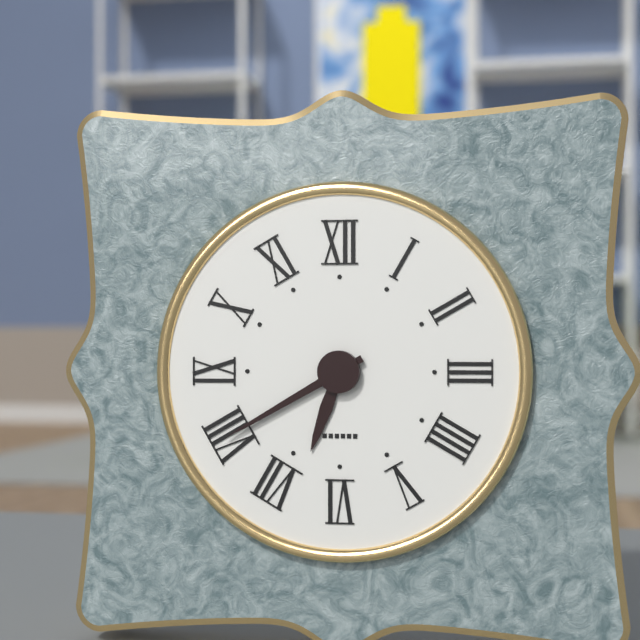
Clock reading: 6h40
